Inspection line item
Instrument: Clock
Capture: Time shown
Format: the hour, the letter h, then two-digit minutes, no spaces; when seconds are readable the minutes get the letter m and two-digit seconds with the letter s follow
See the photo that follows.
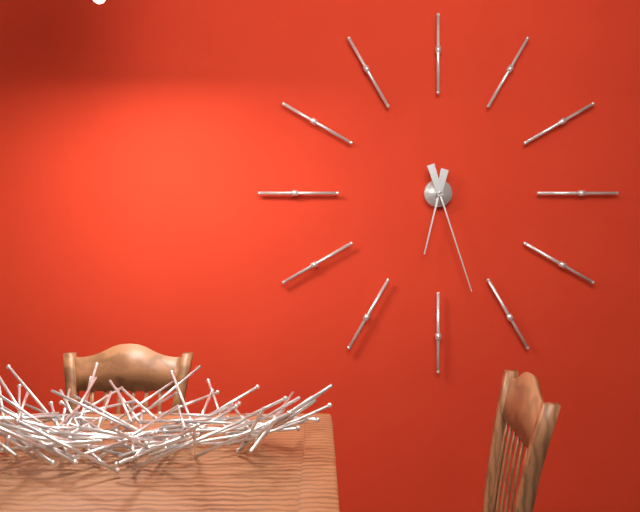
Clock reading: 6h27
